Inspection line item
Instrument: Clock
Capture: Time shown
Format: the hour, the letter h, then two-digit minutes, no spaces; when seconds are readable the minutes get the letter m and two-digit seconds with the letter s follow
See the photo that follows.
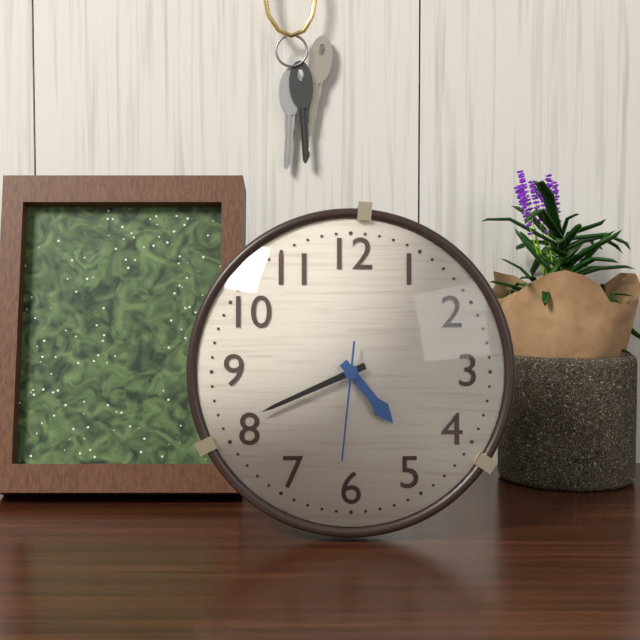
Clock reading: 4h41m31s
